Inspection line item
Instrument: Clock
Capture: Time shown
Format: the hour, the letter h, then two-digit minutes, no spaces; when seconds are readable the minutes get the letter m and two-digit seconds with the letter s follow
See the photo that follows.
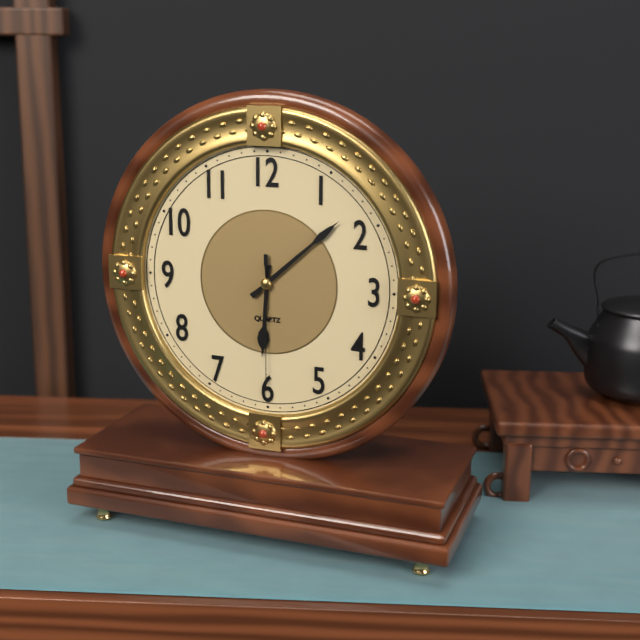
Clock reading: 6h08m30s
